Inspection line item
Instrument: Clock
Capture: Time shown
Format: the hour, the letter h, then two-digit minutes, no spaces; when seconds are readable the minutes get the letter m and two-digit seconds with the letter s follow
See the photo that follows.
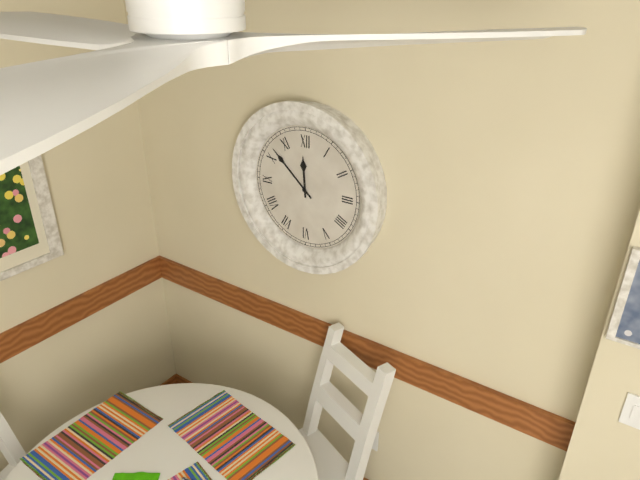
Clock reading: 11h52
